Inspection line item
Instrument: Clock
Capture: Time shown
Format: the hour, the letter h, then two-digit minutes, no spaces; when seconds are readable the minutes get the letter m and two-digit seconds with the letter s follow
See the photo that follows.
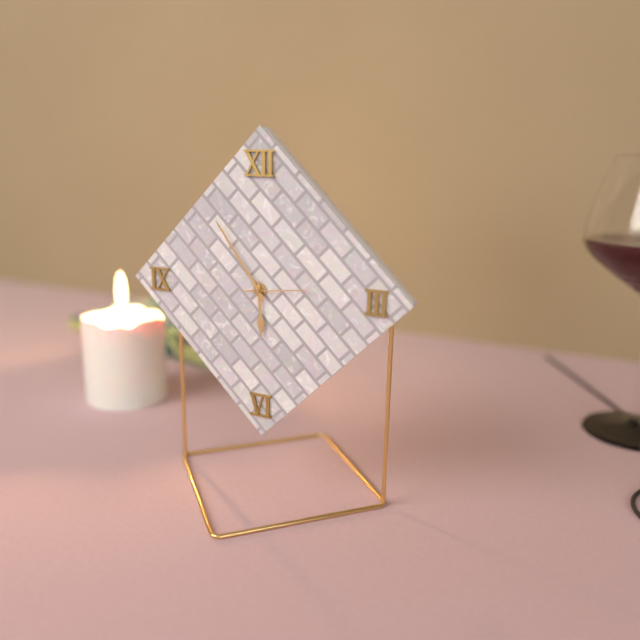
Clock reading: 5h54m14s
